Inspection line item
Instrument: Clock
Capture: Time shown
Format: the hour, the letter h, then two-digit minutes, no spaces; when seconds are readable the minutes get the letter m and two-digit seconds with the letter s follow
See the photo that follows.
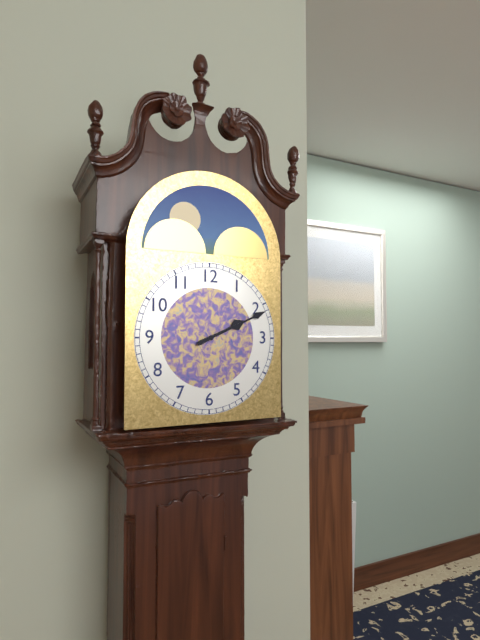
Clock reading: 2h11
